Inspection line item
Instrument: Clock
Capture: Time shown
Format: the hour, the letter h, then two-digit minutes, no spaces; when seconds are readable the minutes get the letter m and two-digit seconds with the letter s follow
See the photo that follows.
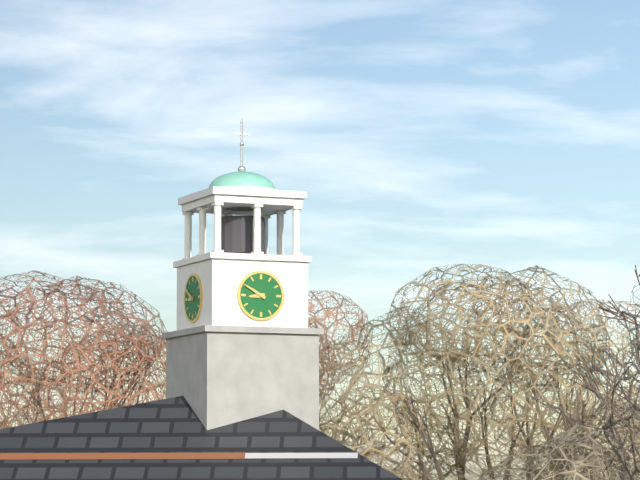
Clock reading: 8h50
